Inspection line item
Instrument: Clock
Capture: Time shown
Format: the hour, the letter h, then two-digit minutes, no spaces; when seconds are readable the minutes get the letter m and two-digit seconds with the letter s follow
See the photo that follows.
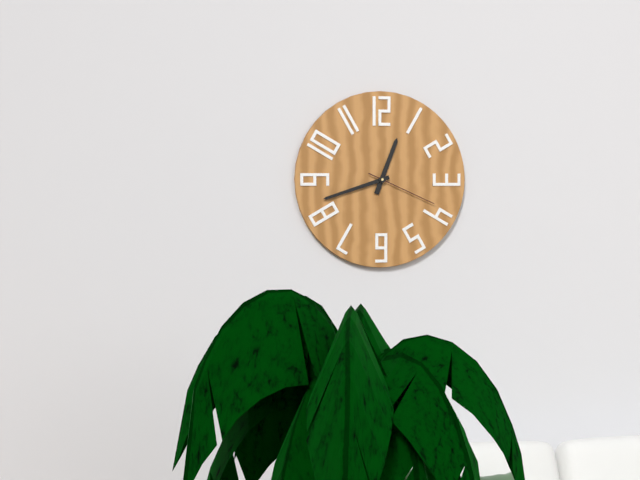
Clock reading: 12h42m19s
